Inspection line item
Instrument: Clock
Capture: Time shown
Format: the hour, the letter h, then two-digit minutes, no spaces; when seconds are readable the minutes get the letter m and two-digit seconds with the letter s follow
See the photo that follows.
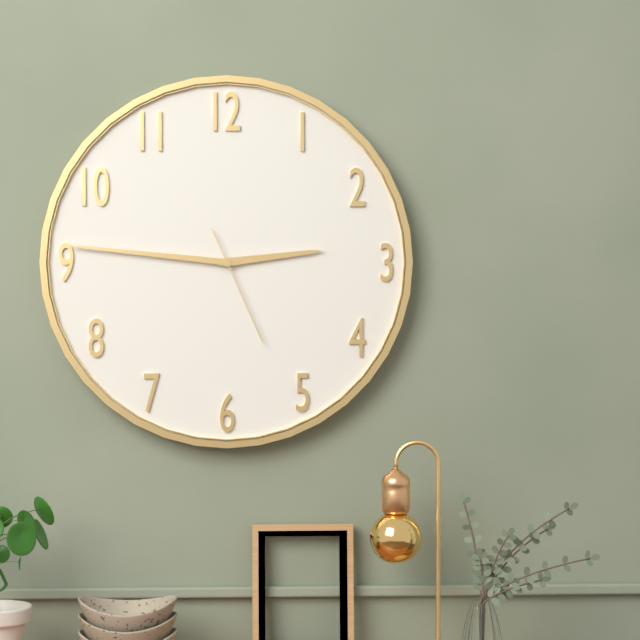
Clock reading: 2h46m26s
